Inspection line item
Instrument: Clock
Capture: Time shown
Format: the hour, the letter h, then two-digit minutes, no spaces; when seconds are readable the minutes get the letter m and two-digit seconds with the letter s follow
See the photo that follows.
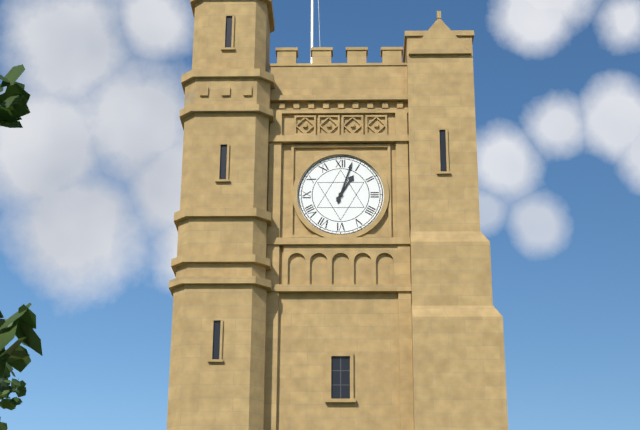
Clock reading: 1h03
